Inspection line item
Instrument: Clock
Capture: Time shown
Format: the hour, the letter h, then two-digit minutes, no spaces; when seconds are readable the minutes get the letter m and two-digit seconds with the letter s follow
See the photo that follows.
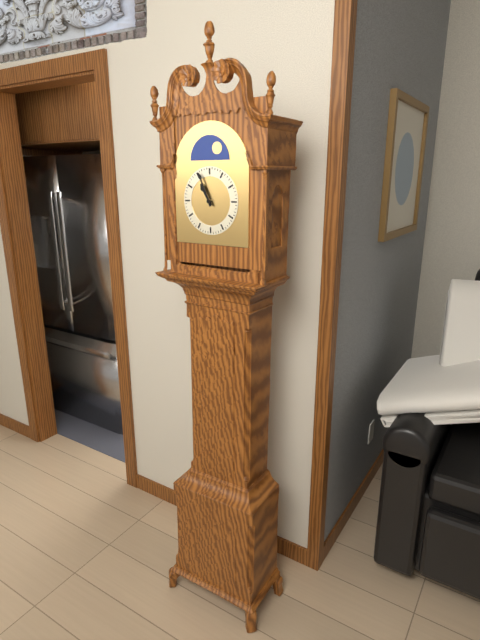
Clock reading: 10h56
